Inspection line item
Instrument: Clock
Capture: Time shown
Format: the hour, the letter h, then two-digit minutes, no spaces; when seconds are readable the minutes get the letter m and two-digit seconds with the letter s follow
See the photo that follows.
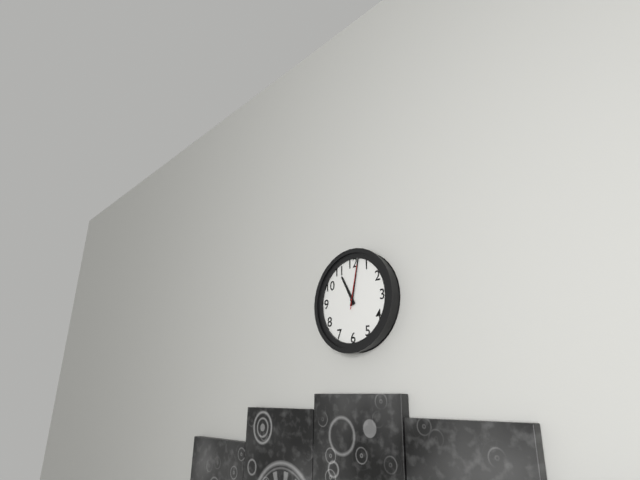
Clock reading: 11h02
